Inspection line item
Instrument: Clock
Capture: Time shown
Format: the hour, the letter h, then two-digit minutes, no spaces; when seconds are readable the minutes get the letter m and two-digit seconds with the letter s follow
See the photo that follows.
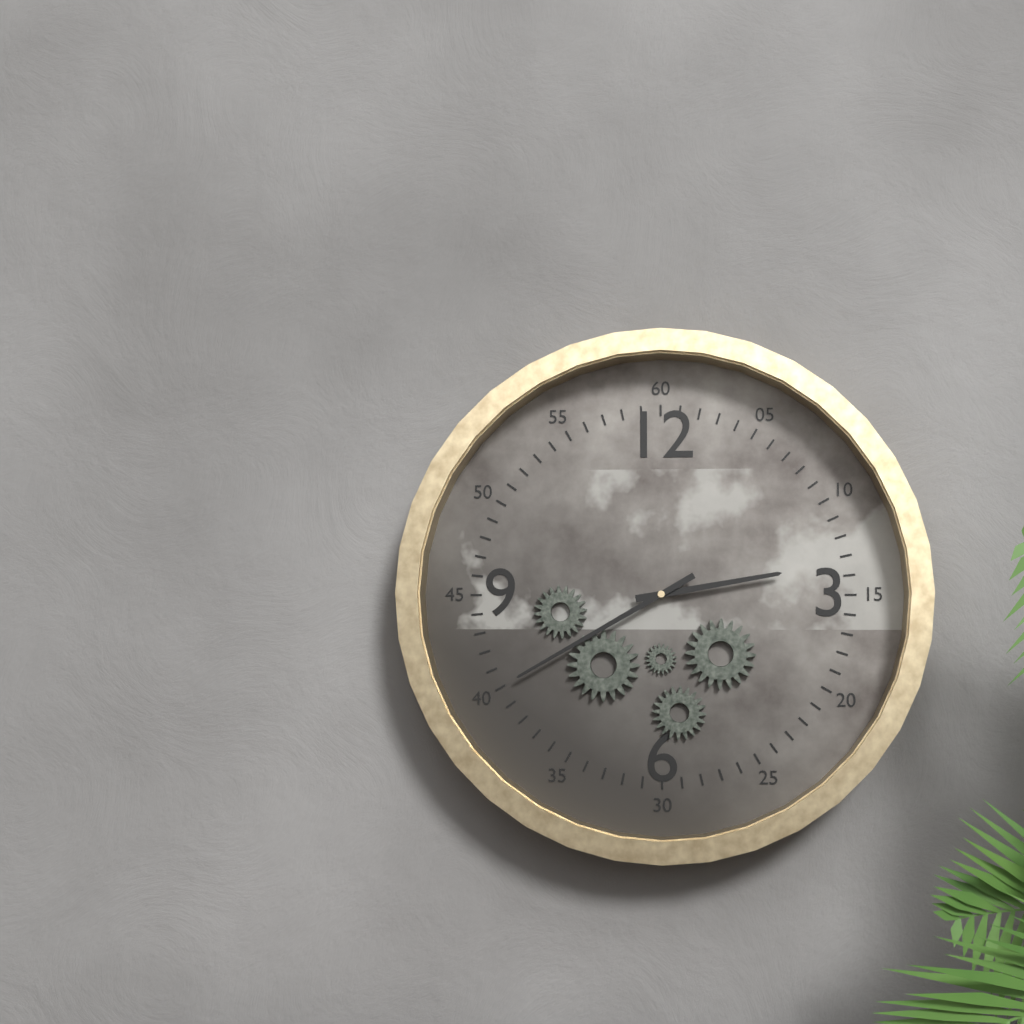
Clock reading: 2h40
